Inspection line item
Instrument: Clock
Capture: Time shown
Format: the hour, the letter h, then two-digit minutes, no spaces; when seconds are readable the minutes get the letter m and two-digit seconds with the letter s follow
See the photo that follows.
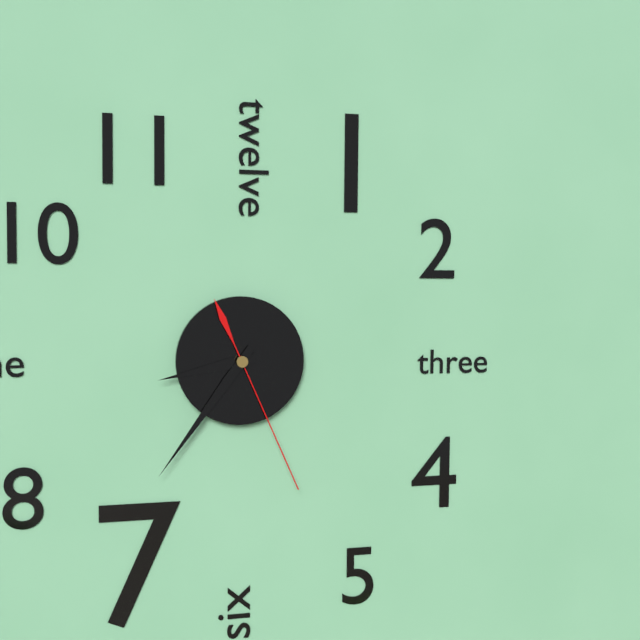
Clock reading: 8h36m26s
